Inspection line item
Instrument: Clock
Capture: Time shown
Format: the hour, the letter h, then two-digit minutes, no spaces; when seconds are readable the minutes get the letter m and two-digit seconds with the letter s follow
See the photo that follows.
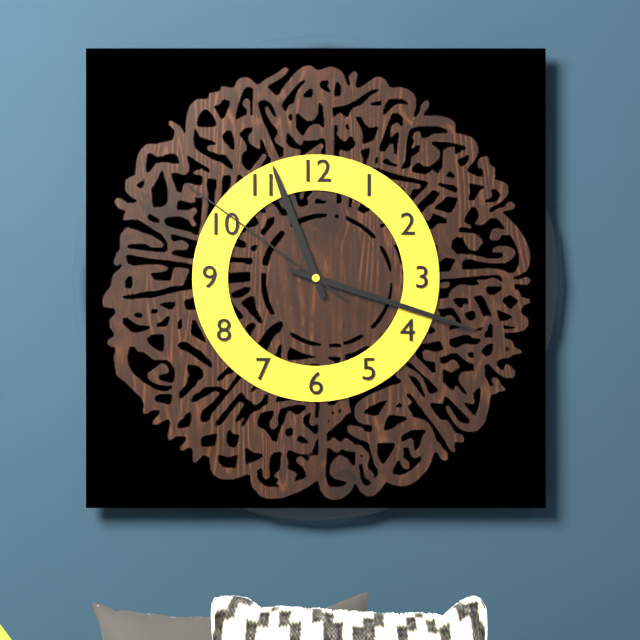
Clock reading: 11h18m51s
